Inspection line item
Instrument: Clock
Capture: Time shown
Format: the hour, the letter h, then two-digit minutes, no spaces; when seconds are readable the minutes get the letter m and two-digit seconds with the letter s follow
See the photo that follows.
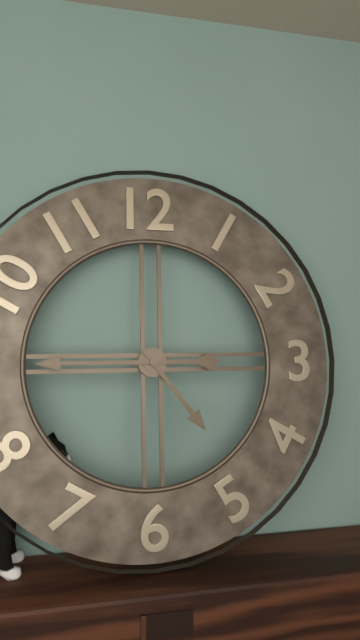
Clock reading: 4h45
